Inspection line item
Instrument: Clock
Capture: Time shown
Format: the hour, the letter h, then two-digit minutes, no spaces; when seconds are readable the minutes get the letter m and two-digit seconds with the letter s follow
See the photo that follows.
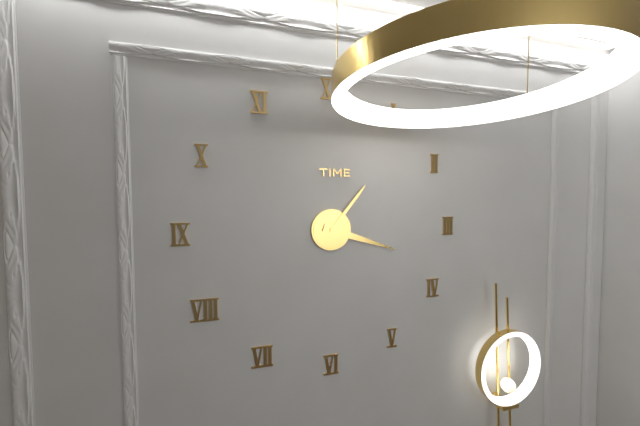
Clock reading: 1h18
